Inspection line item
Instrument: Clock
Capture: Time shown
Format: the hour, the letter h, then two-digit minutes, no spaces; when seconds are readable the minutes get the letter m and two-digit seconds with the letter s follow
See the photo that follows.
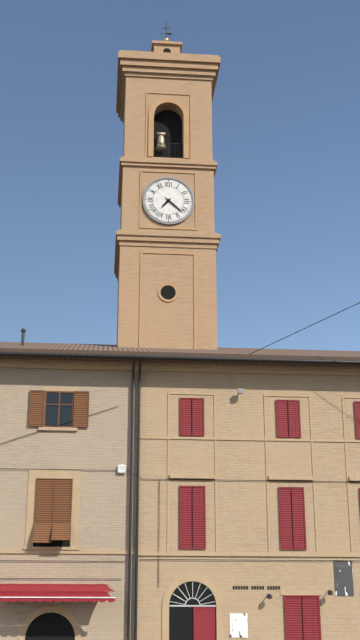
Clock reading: 7h22
